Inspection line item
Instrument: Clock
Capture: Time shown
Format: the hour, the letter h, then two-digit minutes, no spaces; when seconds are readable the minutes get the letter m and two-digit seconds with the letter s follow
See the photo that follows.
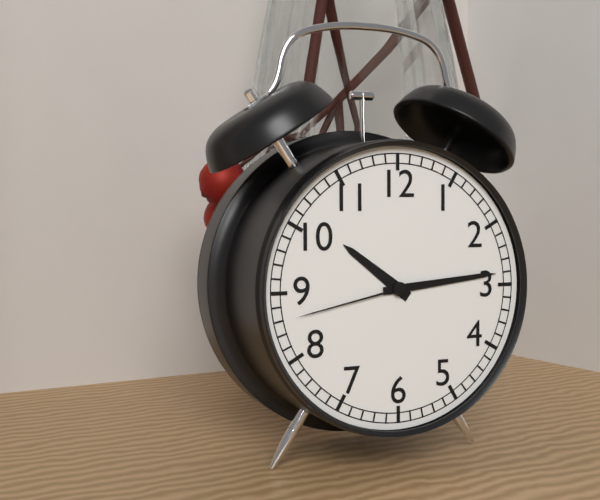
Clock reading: 10h14m43s
